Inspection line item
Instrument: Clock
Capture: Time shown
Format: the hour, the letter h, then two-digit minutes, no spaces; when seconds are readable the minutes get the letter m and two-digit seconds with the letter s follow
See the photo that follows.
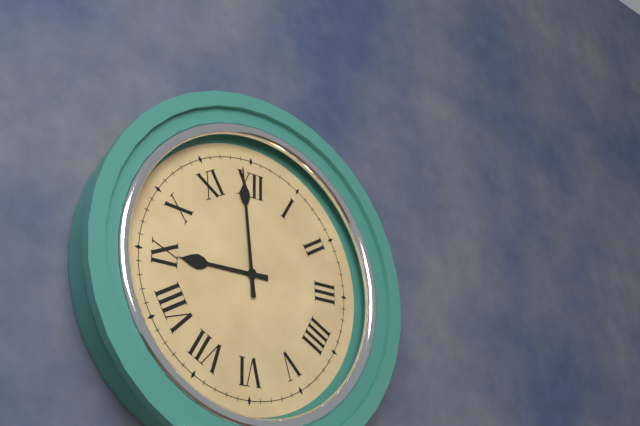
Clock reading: 8h59
